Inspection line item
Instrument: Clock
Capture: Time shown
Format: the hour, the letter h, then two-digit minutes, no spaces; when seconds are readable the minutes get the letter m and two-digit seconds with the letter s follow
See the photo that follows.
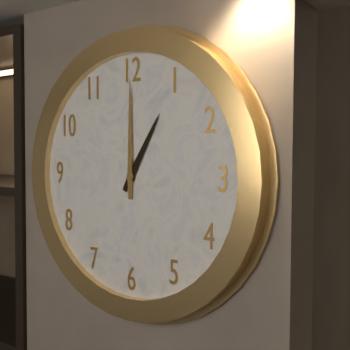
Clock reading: 1h00
